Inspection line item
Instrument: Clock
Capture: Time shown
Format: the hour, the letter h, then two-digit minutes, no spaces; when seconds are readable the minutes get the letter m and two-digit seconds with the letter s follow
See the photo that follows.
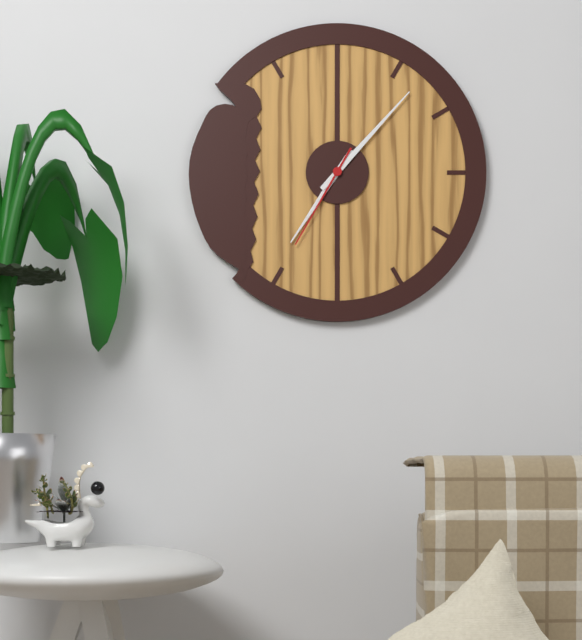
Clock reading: 7h07m35s
